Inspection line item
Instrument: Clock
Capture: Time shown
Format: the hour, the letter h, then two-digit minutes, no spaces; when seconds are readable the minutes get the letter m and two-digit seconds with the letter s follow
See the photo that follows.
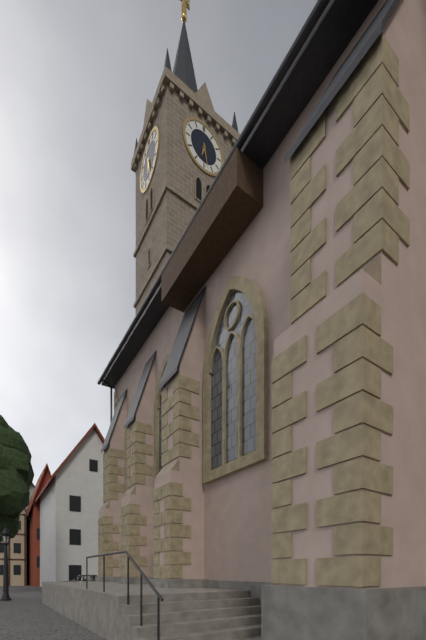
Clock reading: 6h28
